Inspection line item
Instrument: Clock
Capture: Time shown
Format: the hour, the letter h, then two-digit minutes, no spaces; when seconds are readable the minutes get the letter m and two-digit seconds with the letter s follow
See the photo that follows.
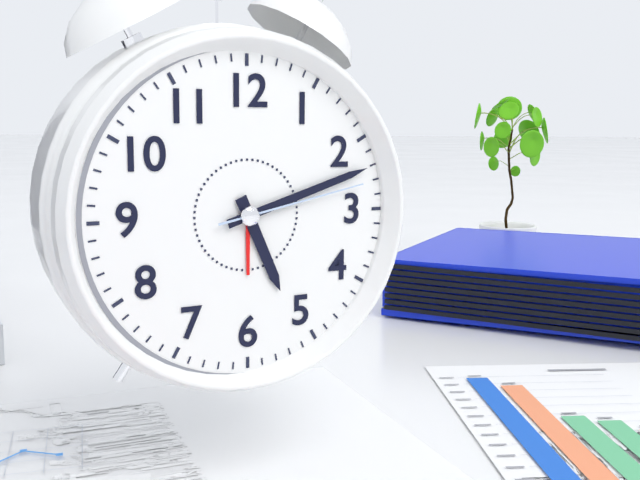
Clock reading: 5h12m13s
